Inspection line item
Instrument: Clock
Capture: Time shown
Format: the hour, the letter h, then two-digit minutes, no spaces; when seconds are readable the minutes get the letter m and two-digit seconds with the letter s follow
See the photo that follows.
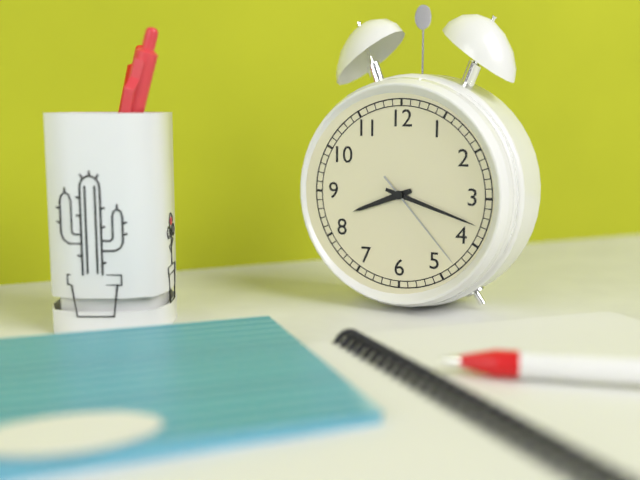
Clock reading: 8h18m23s
